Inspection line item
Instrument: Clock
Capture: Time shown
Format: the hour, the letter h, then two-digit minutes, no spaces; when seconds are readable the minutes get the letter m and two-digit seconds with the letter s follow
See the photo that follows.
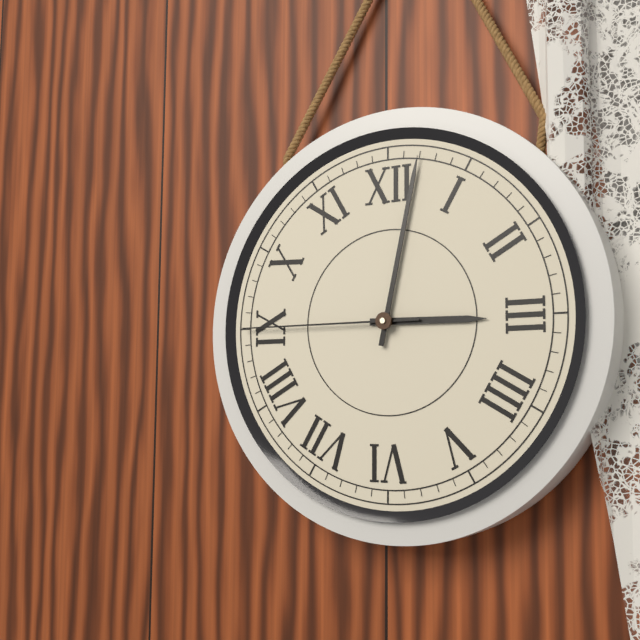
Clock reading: 3h02m45s
